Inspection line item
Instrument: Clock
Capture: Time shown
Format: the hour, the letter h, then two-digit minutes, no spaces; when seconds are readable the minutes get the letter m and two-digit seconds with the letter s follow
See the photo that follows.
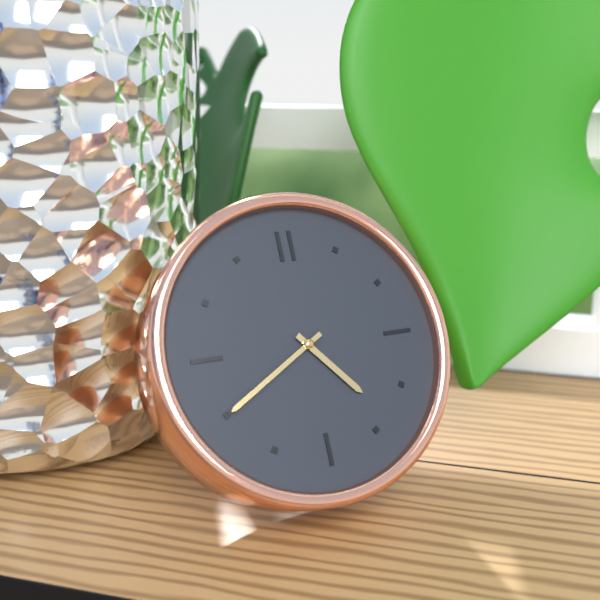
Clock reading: 4h40
